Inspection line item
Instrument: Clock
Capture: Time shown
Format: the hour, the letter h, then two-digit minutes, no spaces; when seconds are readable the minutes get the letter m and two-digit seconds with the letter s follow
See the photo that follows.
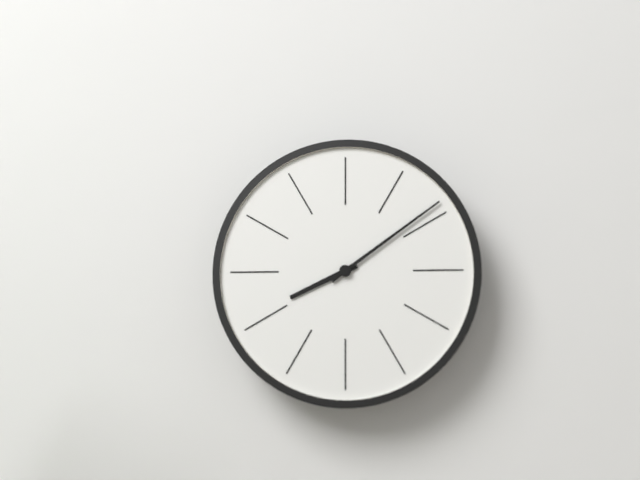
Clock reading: 8h09
